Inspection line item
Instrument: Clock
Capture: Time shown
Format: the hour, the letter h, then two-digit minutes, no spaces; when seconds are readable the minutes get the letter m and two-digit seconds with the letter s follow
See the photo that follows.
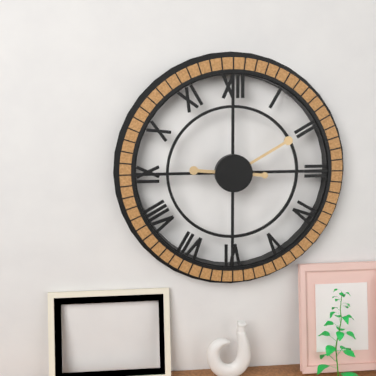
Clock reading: 9h10
